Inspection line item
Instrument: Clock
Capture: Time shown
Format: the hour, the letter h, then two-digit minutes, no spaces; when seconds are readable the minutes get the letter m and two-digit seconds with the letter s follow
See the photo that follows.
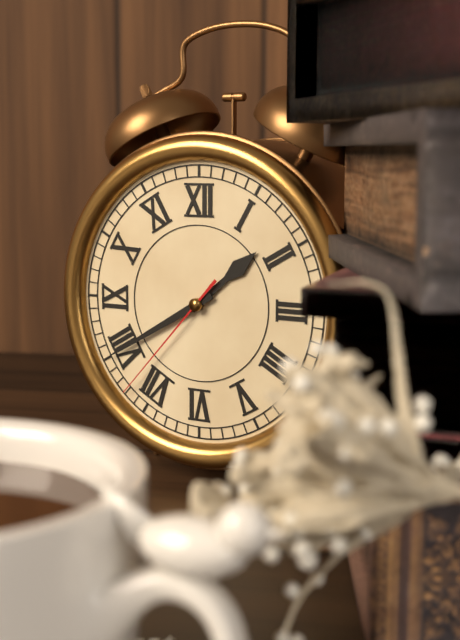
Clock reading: 1h40m37s
